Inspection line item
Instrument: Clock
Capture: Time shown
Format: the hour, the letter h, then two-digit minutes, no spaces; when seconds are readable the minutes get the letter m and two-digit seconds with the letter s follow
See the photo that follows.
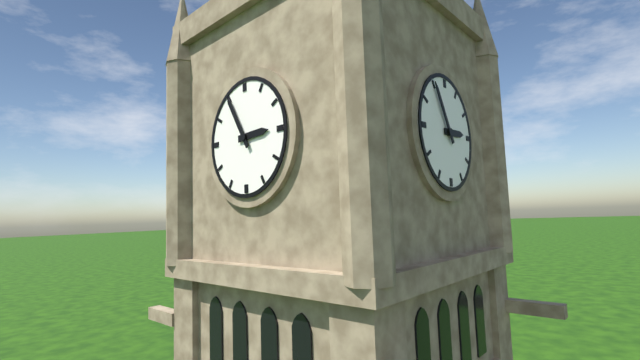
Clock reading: 2h55
